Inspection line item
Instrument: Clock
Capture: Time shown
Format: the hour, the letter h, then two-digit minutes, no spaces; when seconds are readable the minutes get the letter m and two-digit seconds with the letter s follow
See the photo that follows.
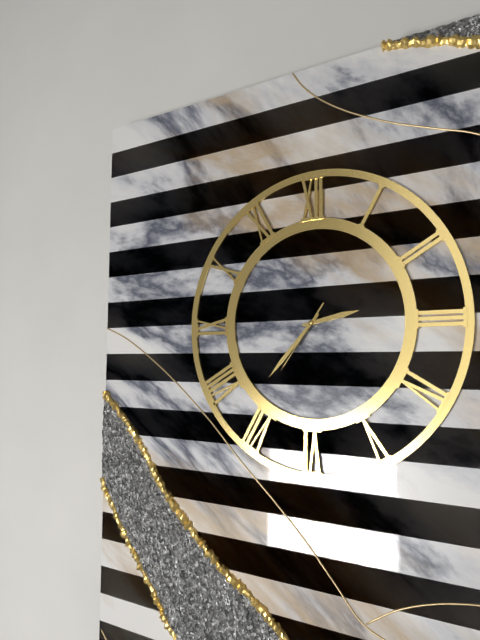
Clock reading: 2h37m36s
